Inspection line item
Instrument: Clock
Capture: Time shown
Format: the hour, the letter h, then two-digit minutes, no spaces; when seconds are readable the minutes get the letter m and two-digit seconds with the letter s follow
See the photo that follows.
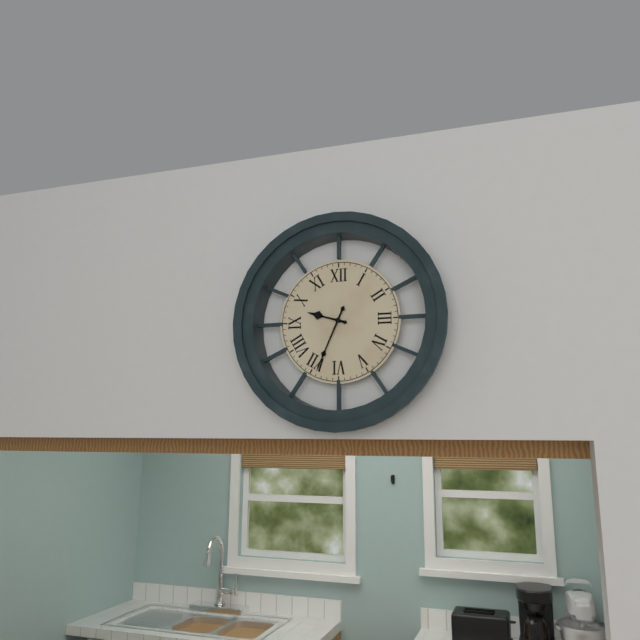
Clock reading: 9h34
